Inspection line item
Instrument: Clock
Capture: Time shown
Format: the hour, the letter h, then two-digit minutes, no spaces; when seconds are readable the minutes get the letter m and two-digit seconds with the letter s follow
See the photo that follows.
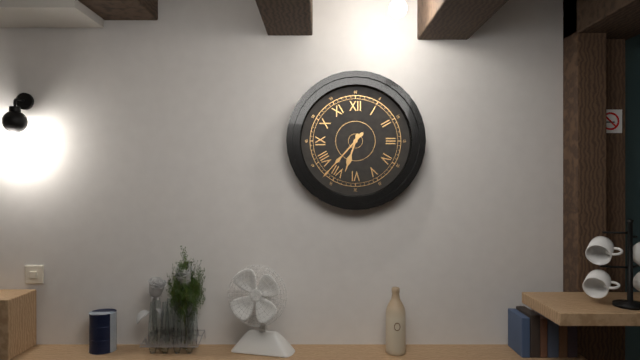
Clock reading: 6h37
